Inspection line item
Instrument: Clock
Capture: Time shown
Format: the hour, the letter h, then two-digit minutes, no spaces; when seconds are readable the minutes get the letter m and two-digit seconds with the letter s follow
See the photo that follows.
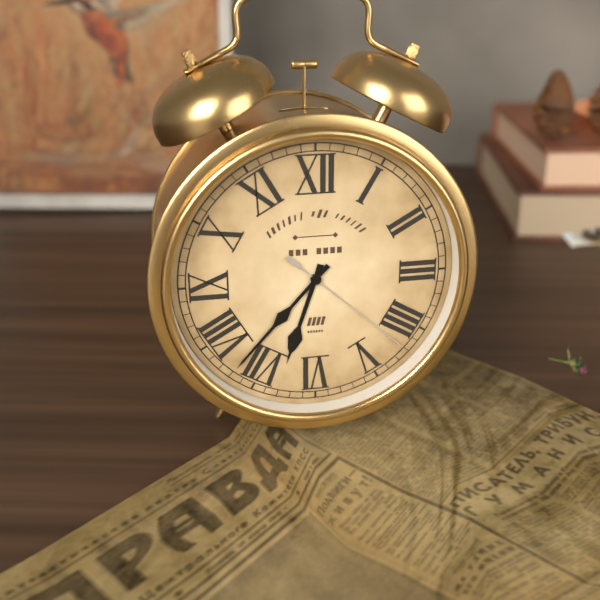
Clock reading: 6h37m22s
